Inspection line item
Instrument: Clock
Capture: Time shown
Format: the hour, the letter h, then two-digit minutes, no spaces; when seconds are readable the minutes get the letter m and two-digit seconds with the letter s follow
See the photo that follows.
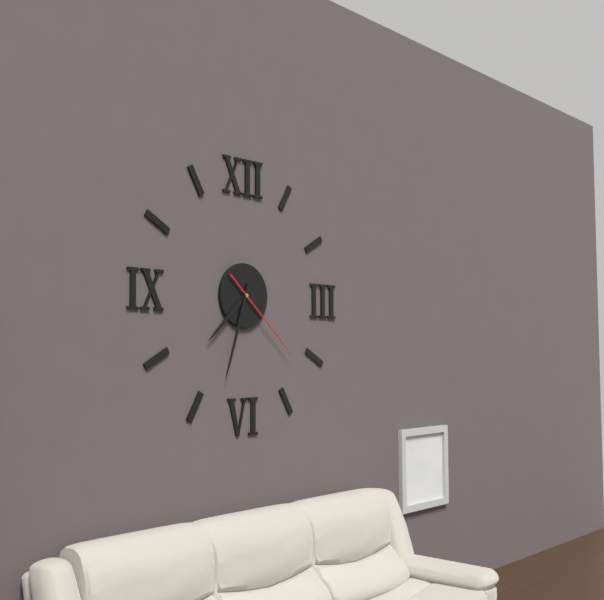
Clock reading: 7h33m22s
